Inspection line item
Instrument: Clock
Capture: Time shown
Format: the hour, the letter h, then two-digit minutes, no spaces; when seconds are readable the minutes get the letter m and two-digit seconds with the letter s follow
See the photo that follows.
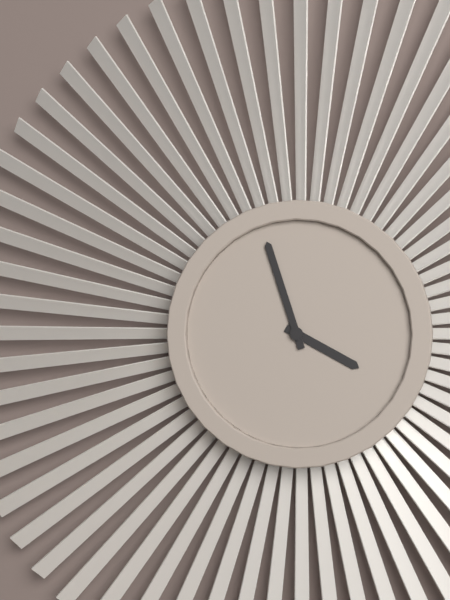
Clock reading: 3h57
